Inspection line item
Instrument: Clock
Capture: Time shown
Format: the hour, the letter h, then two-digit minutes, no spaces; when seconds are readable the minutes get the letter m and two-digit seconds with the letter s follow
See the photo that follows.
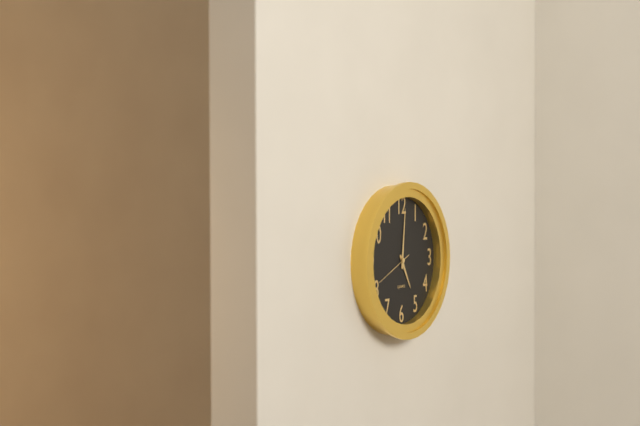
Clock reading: 5h01
